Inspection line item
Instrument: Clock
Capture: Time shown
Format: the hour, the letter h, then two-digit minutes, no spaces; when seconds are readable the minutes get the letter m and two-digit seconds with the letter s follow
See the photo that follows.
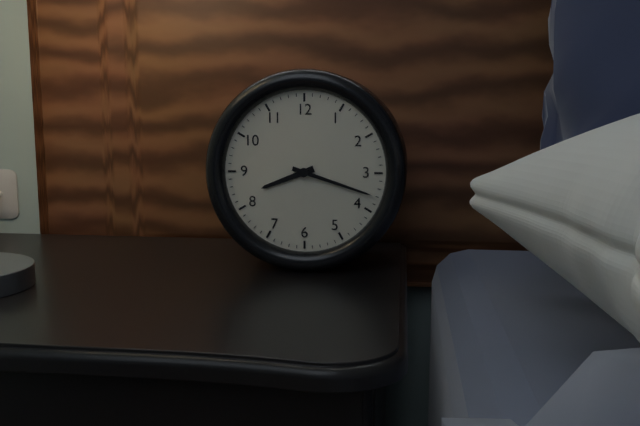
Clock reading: 8h18
